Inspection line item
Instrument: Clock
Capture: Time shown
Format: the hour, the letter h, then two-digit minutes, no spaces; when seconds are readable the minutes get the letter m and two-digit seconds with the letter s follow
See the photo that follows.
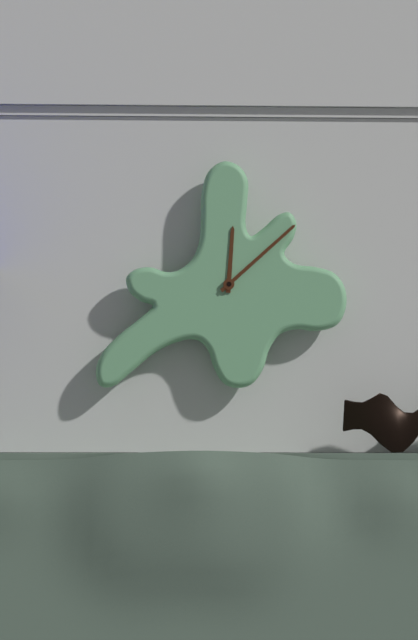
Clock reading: 12h08
